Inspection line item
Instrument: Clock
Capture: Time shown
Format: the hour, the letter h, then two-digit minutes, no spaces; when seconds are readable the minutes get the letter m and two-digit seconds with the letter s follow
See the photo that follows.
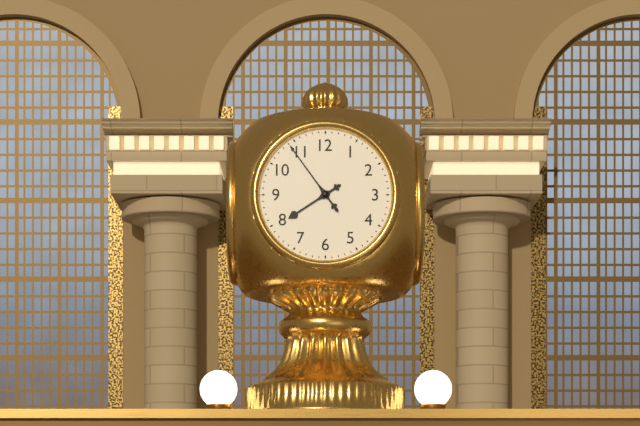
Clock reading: 7h54
